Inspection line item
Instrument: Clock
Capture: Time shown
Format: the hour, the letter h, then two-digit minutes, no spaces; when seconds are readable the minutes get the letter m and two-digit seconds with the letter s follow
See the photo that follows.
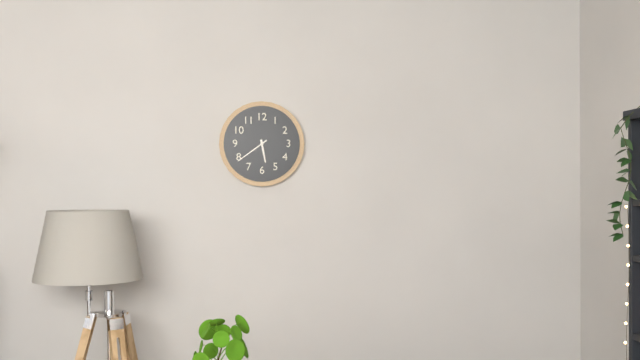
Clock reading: 5h39
